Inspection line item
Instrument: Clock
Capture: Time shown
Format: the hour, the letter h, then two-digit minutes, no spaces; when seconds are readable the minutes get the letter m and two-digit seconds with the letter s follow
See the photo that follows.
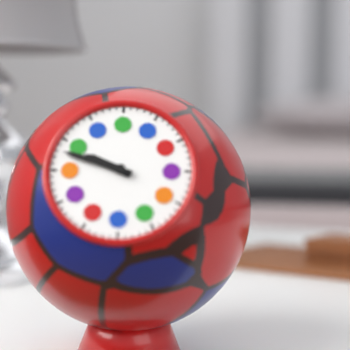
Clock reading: 9h48
